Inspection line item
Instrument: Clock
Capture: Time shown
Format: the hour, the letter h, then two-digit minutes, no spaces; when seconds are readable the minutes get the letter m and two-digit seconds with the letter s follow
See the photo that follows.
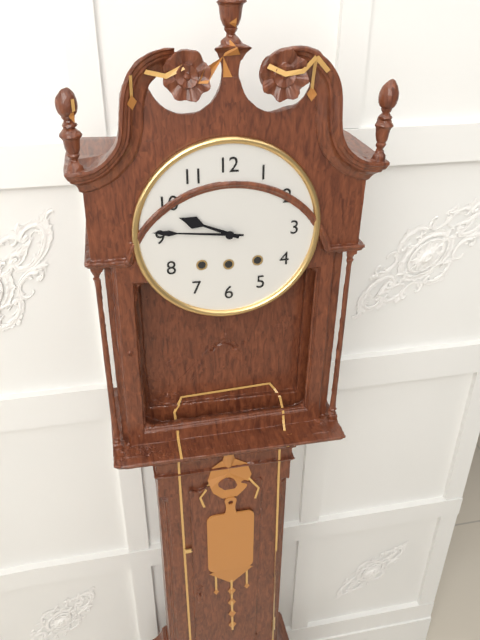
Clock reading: 9h46
